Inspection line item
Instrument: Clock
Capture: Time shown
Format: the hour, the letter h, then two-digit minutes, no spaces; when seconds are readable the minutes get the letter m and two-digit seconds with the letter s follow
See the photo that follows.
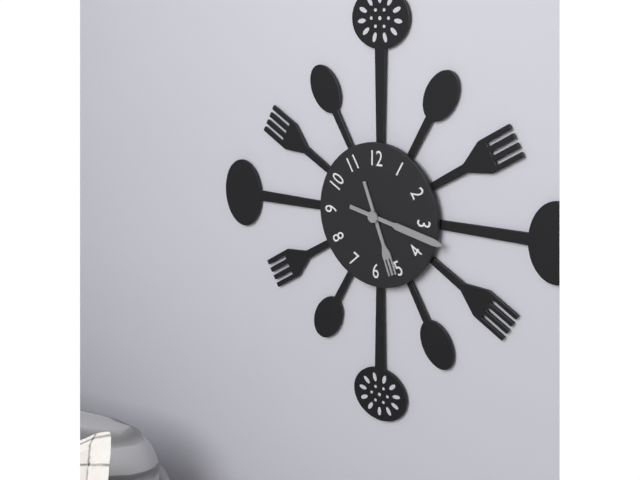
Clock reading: 5h17
